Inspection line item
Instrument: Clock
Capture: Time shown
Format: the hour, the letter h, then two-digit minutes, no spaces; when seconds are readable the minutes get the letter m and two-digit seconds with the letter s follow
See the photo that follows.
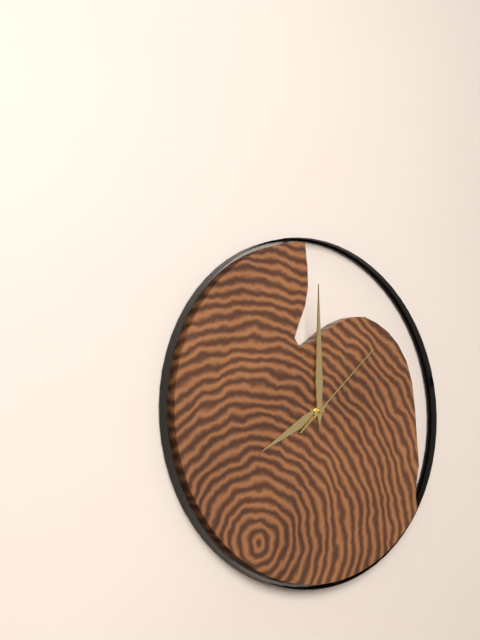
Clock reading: 8h00m08s
